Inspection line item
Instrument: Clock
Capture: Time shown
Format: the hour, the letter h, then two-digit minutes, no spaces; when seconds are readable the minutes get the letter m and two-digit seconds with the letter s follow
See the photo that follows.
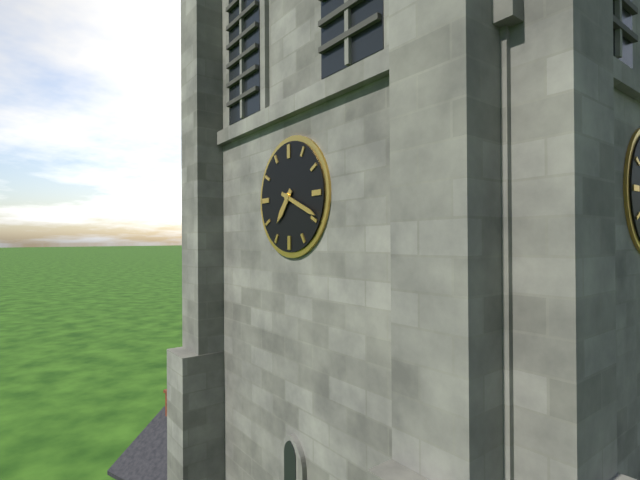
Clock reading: 7h19
